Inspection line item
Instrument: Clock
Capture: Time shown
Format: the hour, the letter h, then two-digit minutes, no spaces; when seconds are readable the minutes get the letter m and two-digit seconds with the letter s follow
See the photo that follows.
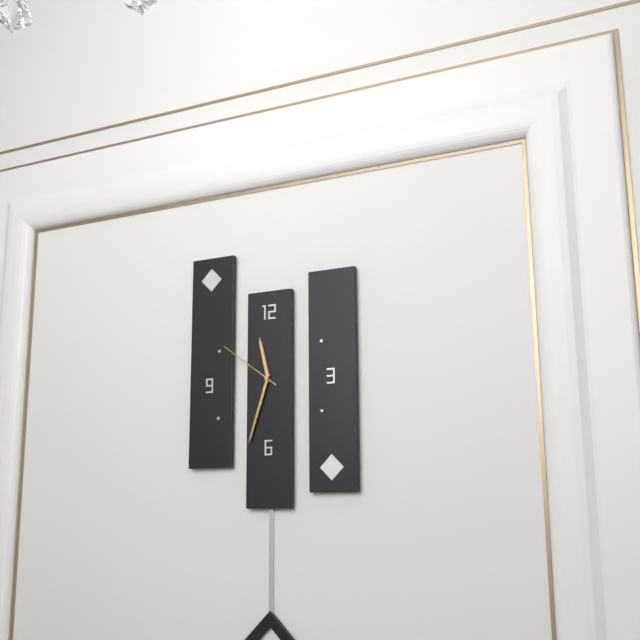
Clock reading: 11h33m51s
